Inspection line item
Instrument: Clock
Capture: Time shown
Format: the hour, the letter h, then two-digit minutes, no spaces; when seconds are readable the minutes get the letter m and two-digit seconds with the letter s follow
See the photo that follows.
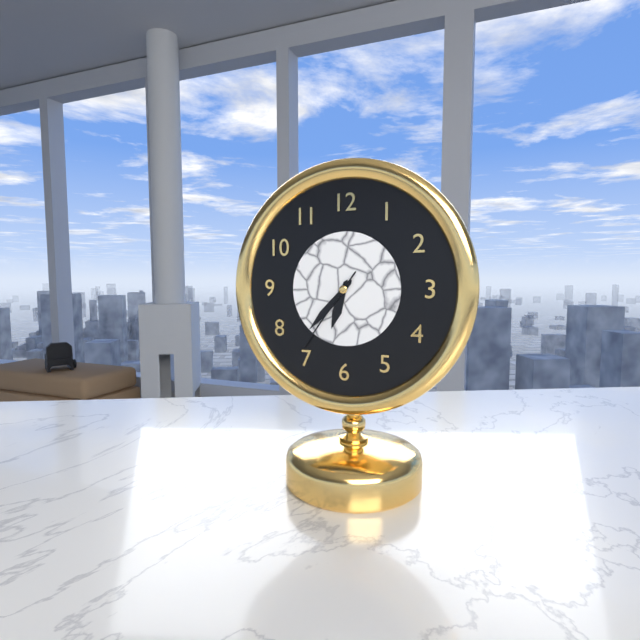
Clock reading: 6h37m36s
